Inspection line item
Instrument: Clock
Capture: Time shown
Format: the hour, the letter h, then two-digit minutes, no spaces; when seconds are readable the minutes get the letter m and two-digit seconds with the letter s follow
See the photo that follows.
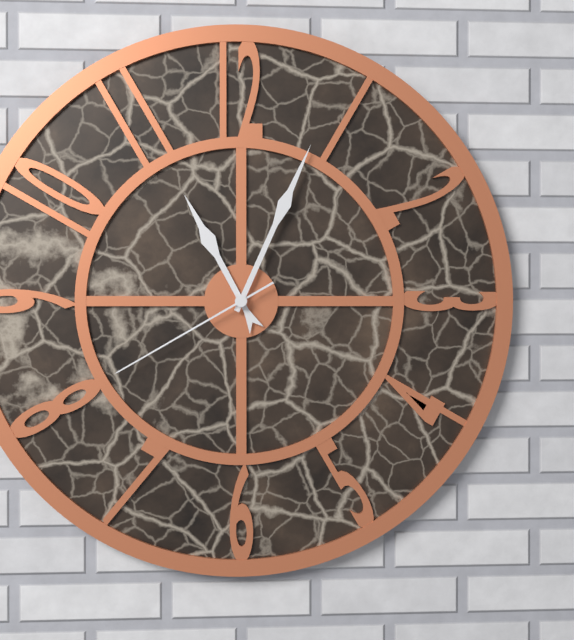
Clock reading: 11h04m40s
